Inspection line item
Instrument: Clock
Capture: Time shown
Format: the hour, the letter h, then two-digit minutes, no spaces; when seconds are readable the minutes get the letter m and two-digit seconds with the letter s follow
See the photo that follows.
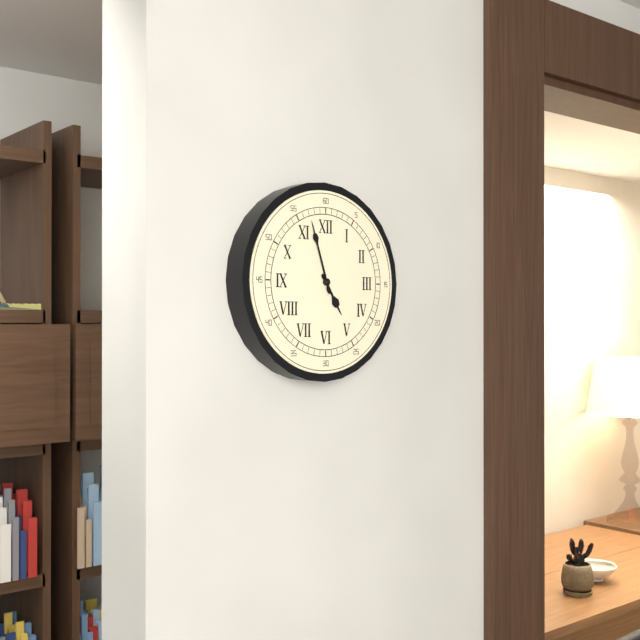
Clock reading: 4h57
